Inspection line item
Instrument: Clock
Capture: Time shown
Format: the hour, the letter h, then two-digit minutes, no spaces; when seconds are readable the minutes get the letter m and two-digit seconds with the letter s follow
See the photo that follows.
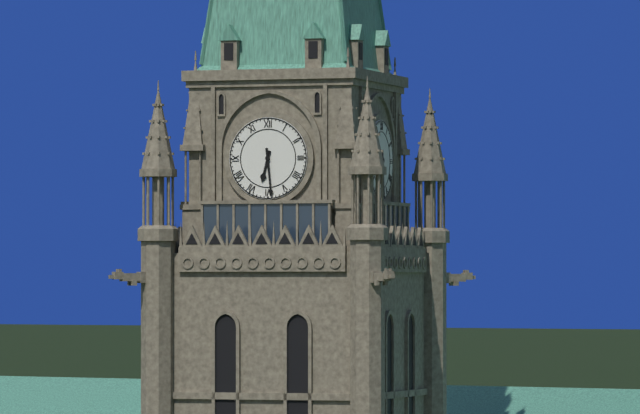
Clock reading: 6h29
